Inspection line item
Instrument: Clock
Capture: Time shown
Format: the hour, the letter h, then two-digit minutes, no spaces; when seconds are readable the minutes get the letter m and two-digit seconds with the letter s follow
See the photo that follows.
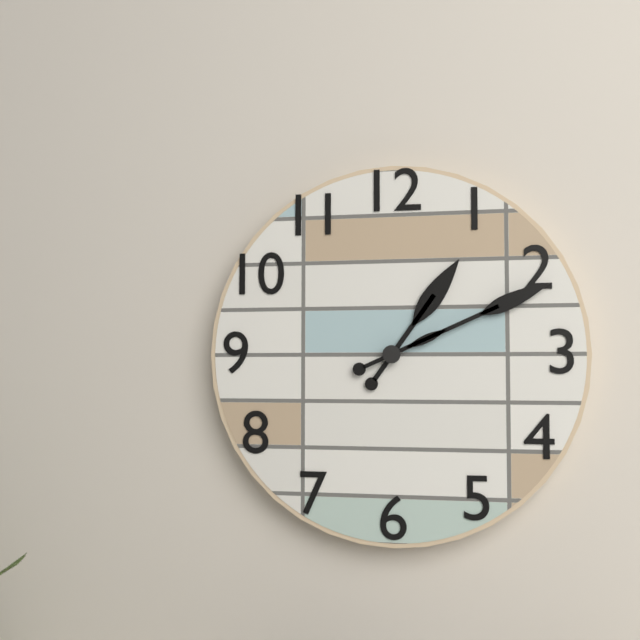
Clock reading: 1h11
